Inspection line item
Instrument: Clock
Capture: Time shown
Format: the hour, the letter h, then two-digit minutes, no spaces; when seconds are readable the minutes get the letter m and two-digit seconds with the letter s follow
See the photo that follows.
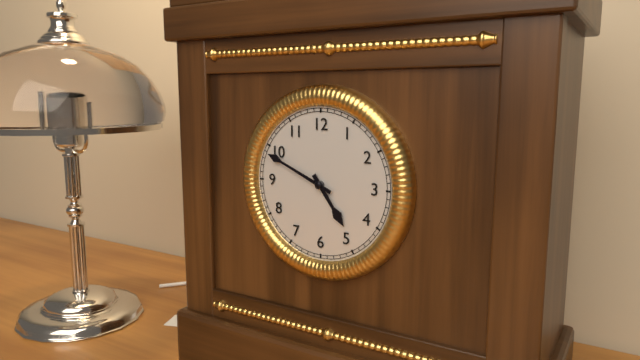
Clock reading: 4h49
